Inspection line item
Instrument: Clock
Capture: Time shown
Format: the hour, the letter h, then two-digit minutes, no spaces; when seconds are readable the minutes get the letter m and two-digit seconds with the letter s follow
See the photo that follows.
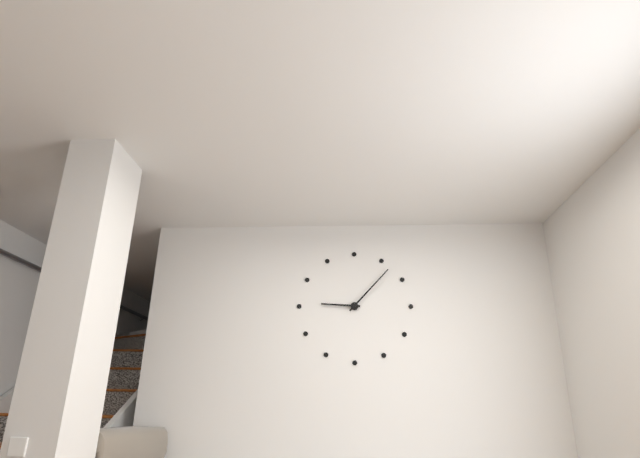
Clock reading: 9h07
